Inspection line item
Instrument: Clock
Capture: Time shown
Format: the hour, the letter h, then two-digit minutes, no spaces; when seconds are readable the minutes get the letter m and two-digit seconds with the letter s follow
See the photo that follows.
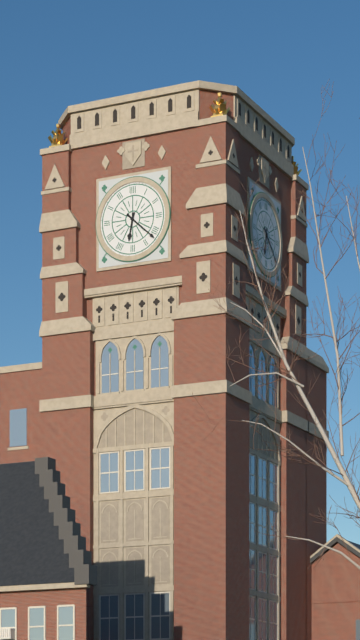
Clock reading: 6h22
